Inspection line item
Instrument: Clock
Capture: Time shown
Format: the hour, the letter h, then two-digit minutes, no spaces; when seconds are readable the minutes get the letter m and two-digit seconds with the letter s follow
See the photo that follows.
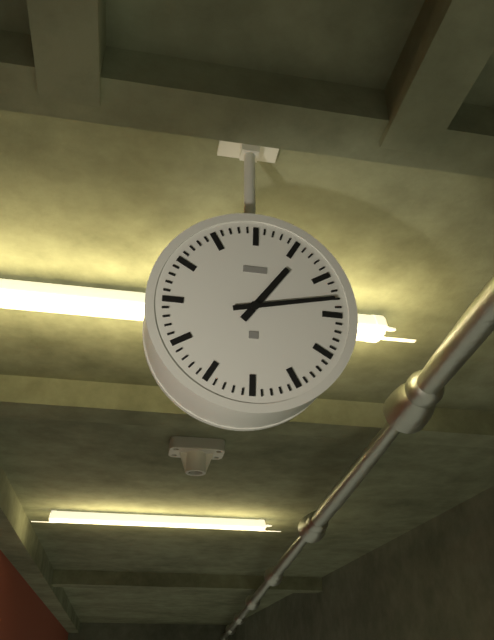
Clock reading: 1h13
